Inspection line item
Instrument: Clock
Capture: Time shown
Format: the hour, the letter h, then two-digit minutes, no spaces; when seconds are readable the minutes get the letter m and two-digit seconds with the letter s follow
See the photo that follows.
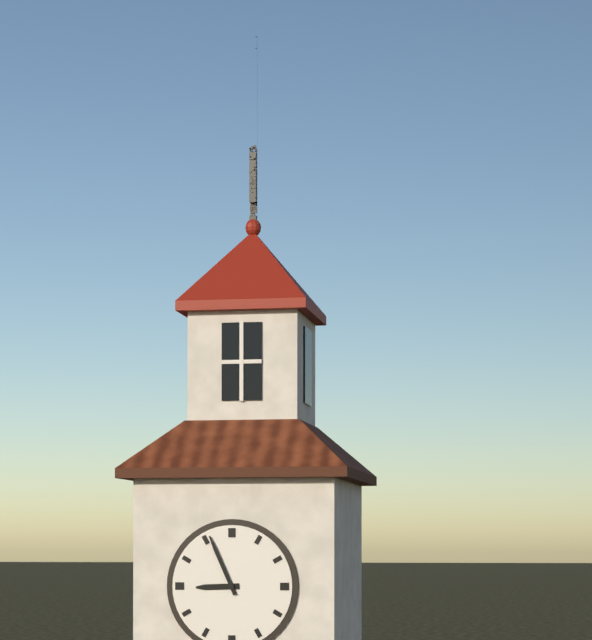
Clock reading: 8h56
